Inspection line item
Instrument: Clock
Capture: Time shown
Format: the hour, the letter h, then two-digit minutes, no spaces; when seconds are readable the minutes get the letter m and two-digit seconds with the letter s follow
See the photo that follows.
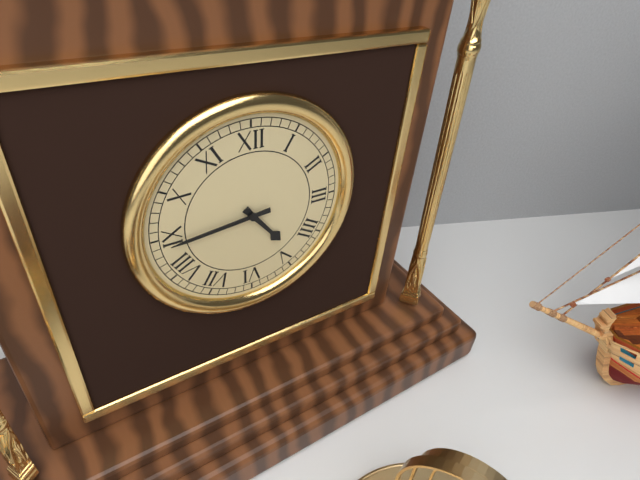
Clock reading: 4h44
